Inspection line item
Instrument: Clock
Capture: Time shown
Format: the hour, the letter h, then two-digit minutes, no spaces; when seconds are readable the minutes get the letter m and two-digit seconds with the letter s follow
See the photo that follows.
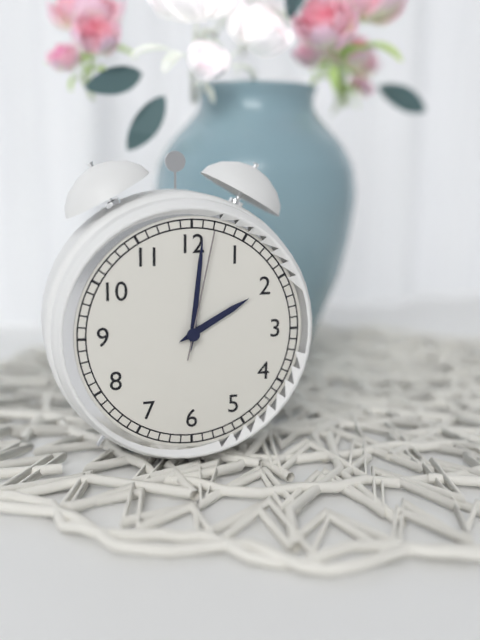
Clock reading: 2h01m02s
